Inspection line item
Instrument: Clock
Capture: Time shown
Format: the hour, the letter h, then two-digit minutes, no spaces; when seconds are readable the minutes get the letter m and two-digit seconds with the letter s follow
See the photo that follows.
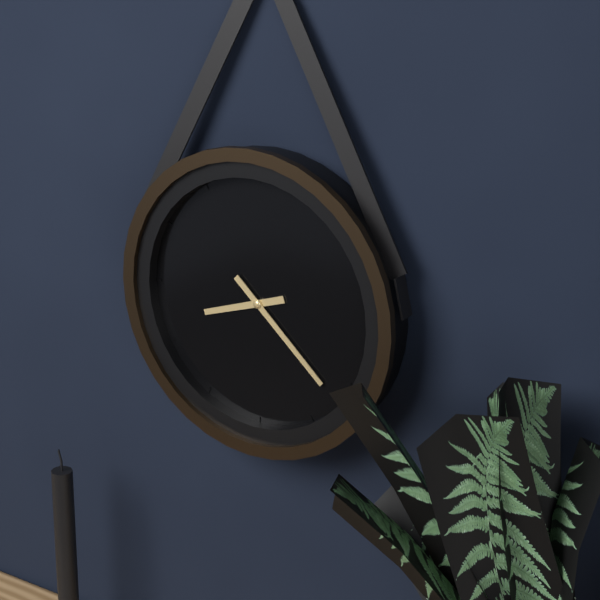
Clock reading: 8h22
